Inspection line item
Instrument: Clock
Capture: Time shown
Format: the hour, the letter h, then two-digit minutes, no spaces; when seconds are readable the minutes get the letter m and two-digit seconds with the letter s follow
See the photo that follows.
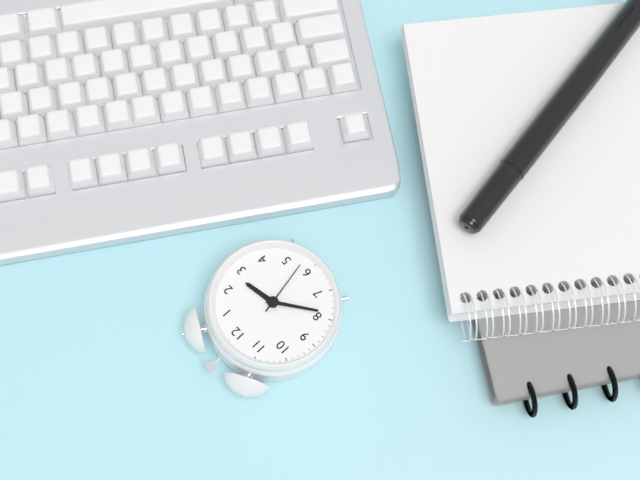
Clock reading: 2h39m28s
